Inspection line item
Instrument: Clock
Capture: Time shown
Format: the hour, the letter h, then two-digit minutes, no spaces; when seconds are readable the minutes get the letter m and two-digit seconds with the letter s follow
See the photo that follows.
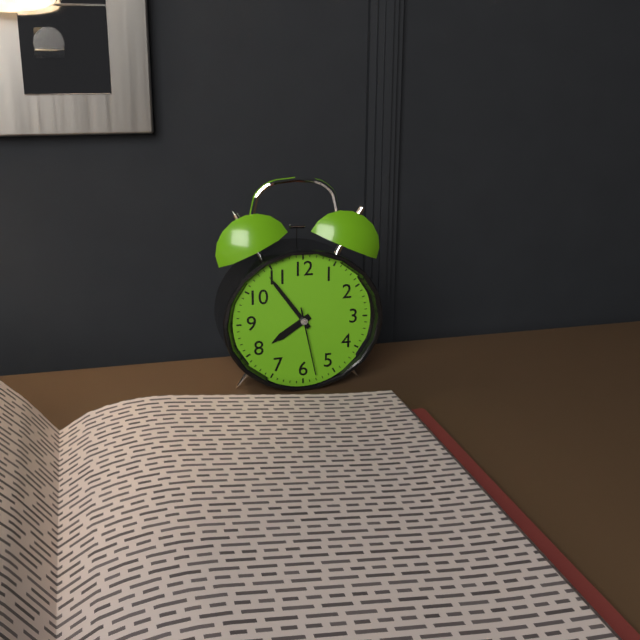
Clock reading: 7h54m28s
